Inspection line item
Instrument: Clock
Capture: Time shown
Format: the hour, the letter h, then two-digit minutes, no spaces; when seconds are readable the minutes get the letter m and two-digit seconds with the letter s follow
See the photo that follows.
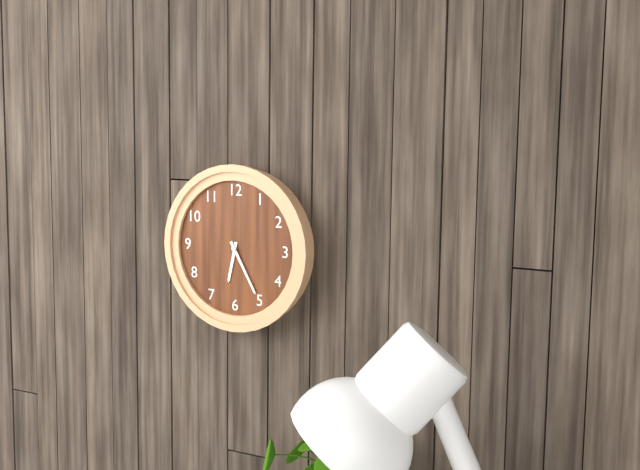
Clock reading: 6h25
